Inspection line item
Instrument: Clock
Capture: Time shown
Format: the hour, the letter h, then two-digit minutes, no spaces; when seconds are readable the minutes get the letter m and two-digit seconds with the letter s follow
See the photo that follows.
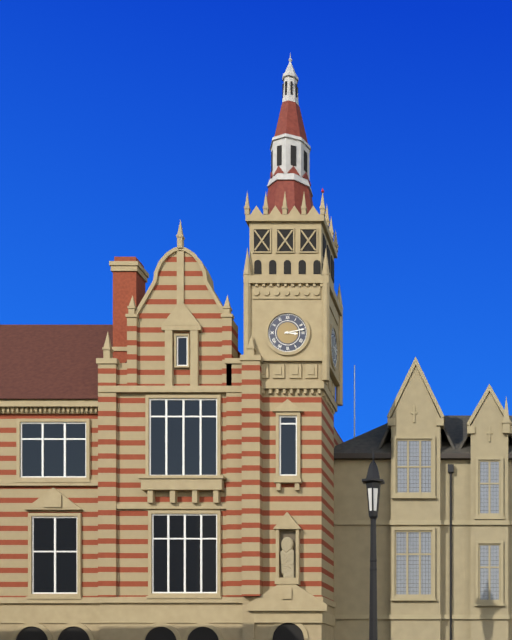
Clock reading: 3h13
